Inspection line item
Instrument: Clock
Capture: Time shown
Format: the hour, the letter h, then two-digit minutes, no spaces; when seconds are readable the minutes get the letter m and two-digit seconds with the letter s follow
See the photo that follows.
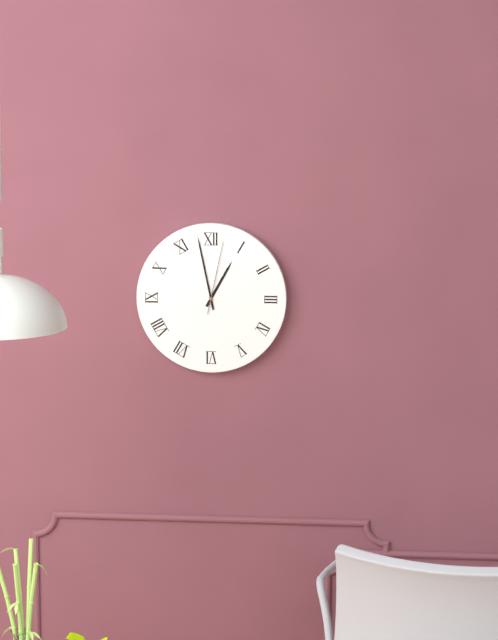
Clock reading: 12h58m02s
